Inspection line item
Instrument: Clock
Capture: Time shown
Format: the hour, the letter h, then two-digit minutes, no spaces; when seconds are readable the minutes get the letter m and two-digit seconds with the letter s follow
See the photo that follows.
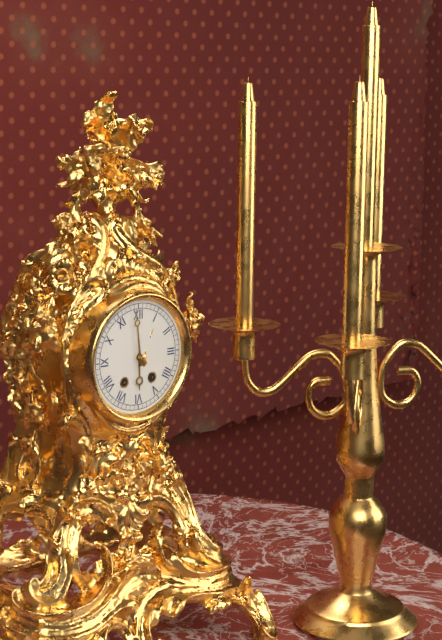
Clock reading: 5h59
